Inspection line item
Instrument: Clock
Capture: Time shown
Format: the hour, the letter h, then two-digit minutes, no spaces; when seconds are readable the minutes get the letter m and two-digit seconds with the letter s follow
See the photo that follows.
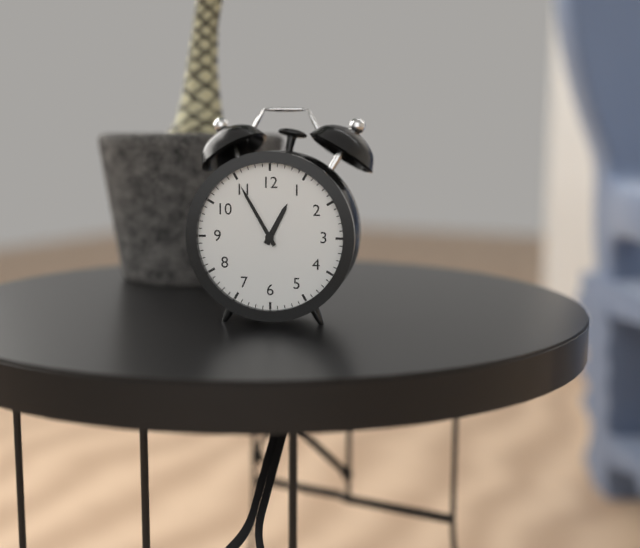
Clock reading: 12h55
